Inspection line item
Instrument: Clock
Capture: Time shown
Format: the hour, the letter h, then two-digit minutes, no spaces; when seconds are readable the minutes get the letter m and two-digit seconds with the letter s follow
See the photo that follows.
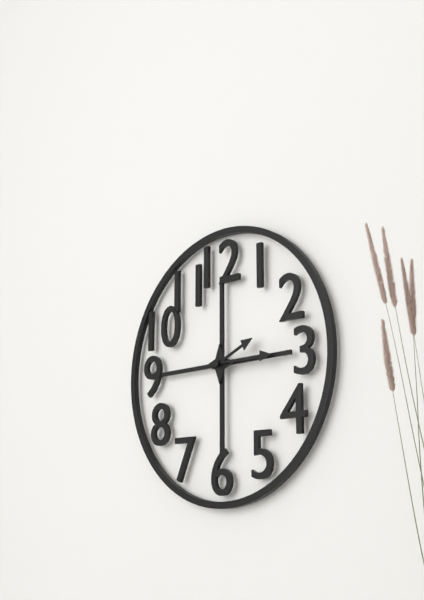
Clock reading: 2h15
